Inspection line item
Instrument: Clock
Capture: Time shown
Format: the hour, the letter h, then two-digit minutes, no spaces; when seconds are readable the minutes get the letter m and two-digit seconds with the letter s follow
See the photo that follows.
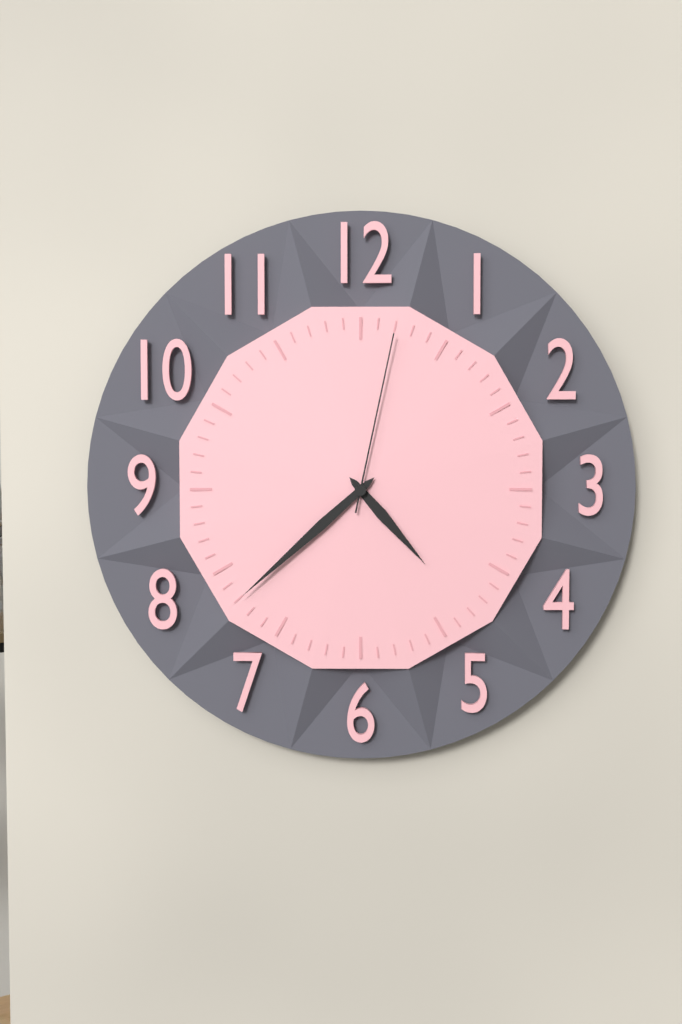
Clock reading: 4h38m02s
